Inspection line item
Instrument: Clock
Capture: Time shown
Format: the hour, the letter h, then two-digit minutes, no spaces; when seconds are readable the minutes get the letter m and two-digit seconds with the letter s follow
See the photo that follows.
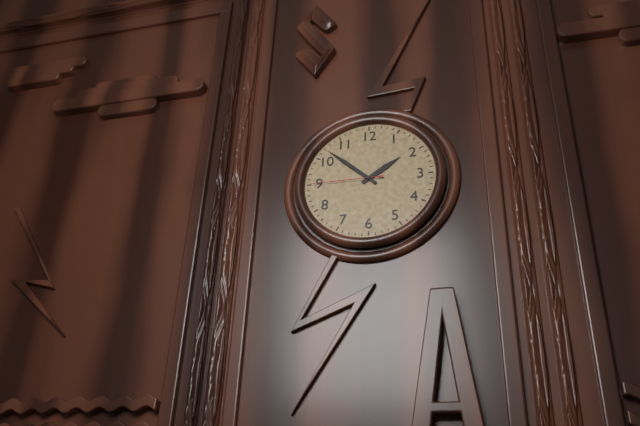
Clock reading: 1h52m45s
